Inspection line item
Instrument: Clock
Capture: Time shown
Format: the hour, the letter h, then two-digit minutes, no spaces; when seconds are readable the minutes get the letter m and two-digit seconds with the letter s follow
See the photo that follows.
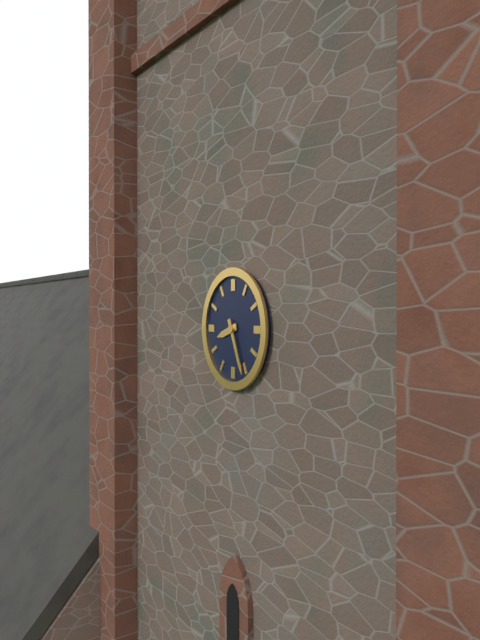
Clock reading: 8h26
